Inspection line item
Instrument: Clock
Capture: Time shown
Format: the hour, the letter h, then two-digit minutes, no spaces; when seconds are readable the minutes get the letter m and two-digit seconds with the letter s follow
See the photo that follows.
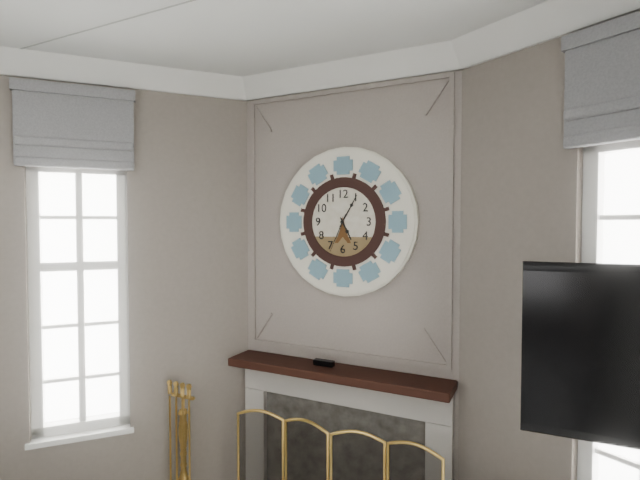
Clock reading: 5h05
